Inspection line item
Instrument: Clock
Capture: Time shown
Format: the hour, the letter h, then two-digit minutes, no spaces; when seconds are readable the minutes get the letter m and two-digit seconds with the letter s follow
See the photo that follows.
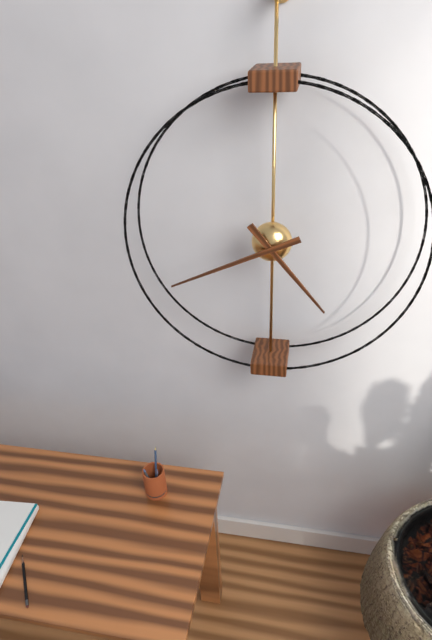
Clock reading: 4h41
